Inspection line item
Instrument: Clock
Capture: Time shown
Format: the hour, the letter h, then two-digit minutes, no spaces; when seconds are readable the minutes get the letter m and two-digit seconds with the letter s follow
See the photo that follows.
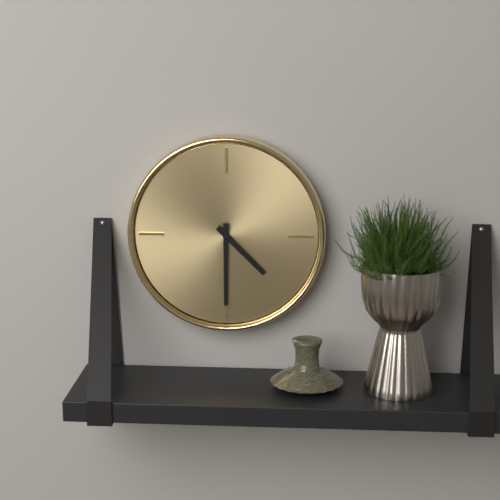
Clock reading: 4h30
